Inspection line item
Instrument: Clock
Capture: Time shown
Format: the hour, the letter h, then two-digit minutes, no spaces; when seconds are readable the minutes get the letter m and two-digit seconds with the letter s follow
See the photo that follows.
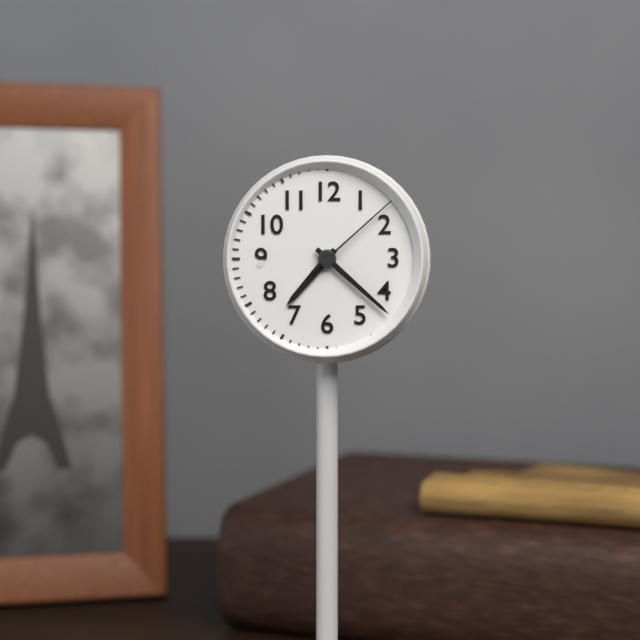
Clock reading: 7h22m08s
